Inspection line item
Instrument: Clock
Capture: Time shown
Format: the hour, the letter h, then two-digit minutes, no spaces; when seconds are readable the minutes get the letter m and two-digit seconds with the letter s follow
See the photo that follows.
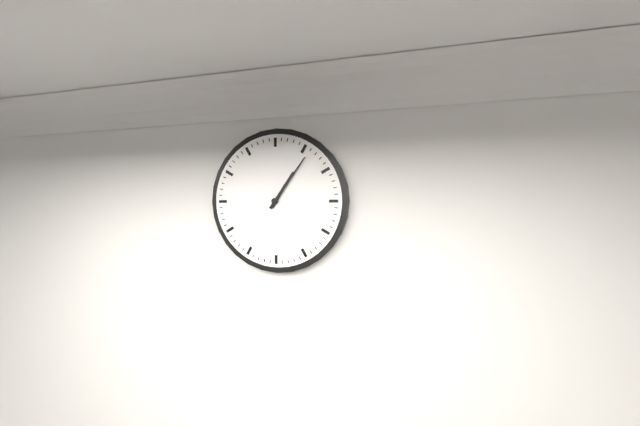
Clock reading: 1h06
